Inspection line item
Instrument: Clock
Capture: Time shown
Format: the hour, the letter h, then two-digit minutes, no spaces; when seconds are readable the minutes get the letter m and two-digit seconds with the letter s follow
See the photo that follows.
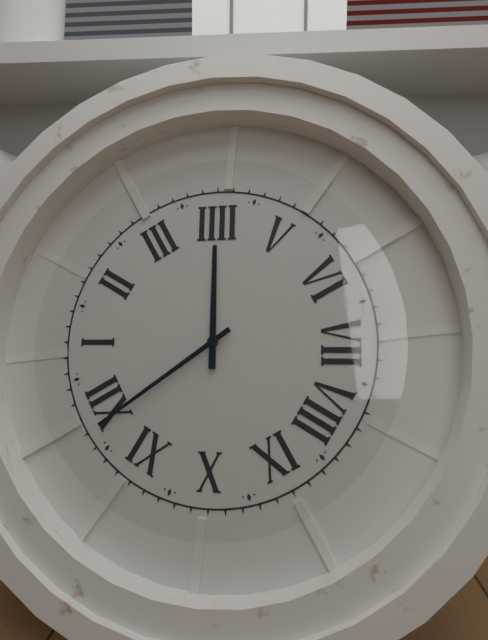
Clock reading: 3h59
